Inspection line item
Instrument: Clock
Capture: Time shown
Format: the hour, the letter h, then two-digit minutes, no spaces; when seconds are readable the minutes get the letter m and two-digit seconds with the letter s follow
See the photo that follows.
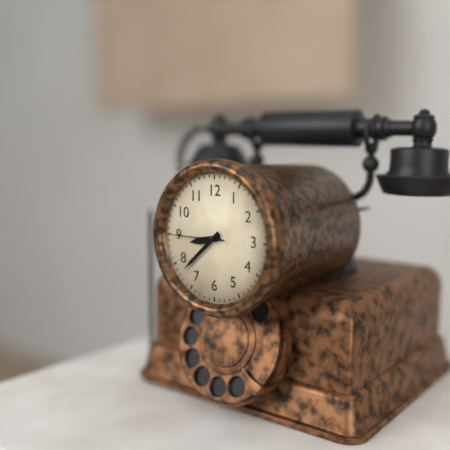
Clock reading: 8h38m45s
